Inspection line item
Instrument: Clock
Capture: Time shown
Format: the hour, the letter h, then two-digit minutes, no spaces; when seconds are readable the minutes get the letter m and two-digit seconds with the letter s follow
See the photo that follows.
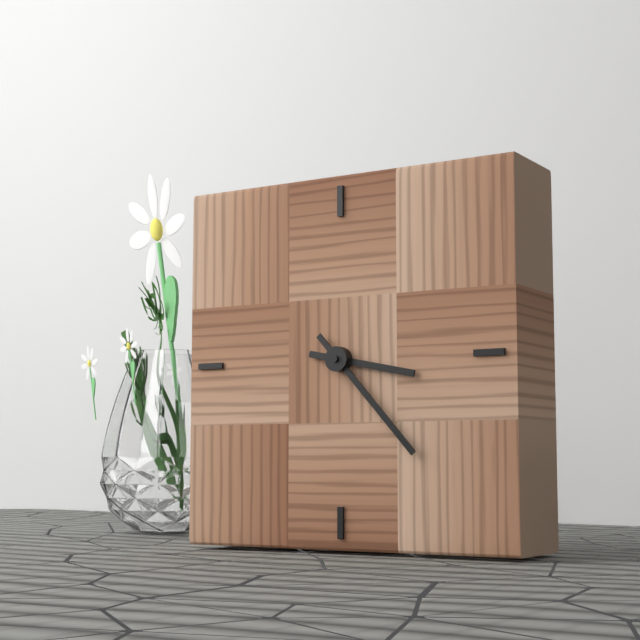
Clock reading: 3h23
